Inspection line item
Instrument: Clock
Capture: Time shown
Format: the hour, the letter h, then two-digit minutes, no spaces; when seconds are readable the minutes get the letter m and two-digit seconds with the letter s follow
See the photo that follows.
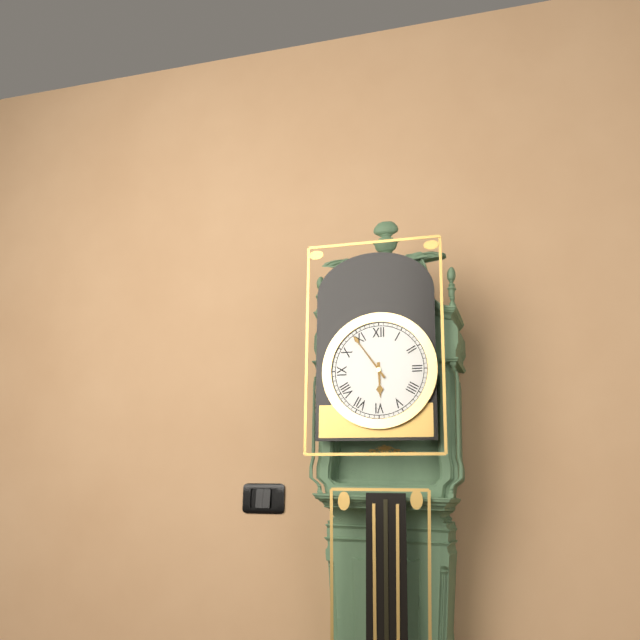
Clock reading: 5h54
